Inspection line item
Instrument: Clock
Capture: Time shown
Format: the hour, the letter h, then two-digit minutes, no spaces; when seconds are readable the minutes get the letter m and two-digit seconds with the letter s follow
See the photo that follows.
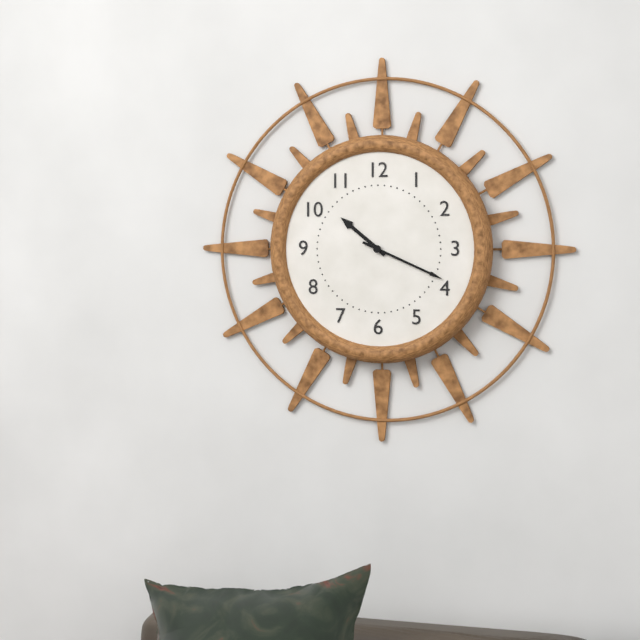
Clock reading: 10h19
